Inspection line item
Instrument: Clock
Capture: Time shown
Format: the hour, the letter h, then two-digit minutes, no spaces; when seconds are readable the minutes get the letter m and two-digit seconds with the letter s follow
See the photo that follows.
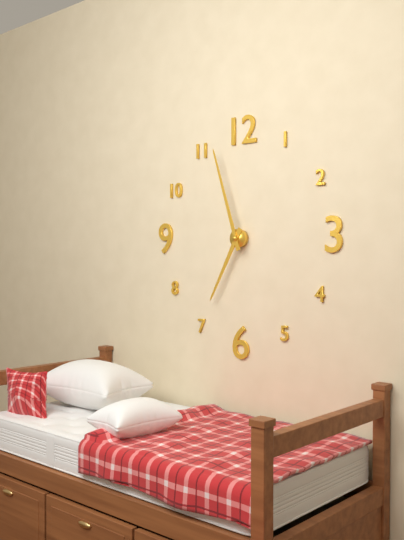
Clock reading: 6h57
